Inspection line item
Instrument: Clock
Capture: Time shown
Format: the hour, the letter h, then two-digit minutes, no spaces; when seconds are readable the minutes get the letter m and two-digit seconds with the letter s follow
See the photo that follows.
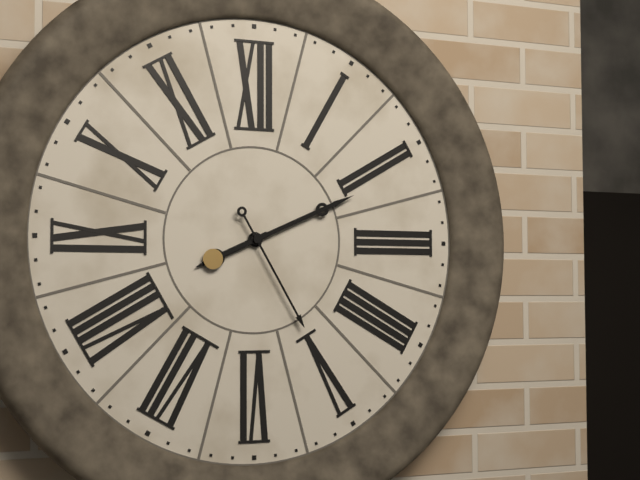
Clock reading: 8h11m25s
